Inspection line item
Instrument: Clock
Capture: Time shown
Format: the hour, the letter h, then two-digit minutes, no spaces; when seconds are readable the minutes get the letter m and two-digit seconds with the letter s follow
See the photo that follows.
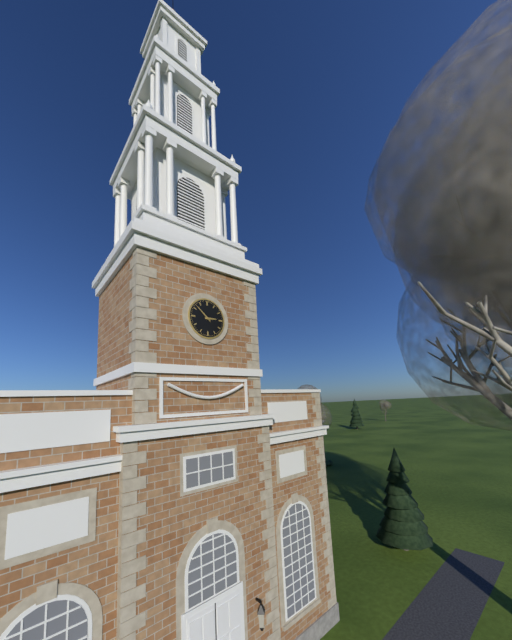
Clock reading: 2h52
